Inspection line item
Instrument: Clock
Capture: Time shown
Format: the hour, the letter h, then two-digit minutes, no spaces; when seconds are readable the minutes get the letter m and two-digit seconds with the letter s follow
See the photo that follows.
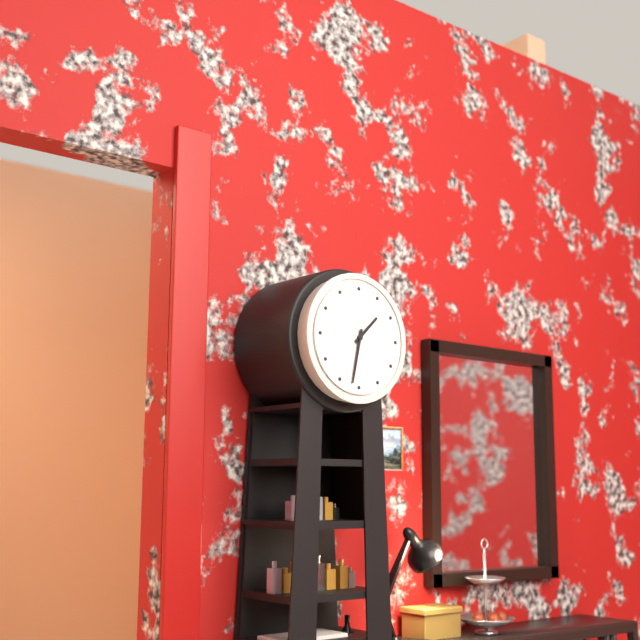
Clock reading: 1h32
